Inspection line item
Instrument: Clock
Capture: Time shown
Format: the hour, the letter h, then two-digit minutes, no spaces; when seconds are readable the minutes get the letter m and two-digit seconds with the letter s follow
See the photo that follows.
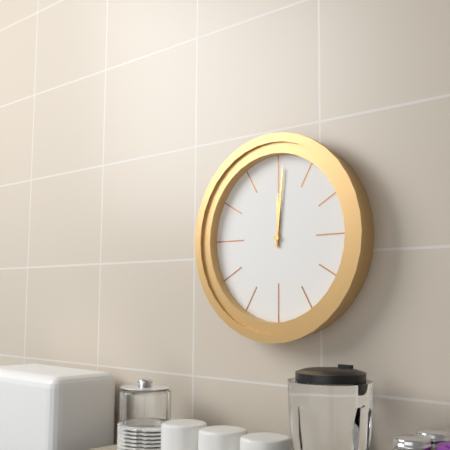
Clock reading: 12h01
